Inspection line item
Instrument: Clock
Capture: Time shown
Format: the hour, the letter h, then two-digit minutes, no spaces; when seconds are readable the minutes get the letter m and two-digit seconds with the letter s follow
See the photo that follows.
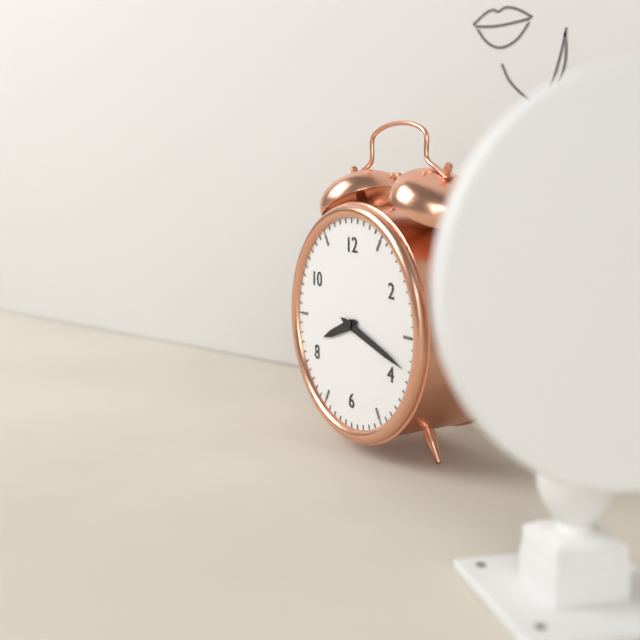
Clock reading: 8h18
